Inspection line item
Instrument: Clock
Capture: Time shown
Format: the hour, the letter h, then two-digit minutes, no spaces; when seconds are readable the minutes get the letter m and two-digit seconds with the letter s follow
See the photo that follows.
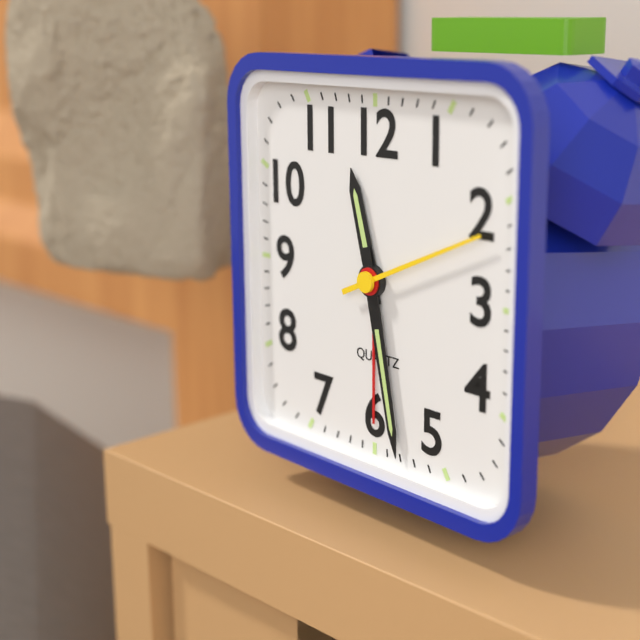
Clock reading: 11h28m11s
